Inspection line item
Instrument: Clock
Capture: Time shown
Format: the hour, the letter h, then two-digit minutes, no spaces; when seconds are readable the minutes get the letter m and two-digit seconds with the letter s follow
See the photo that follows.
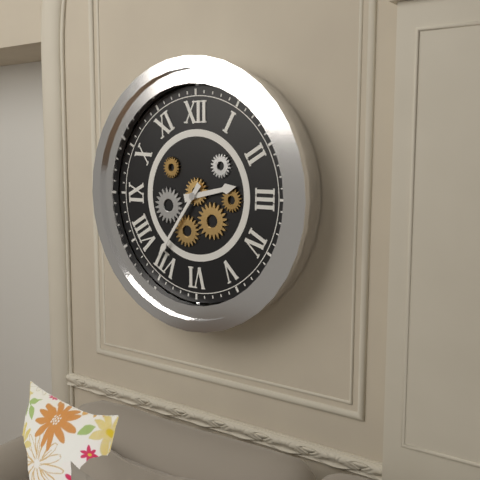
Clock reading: 2h36
